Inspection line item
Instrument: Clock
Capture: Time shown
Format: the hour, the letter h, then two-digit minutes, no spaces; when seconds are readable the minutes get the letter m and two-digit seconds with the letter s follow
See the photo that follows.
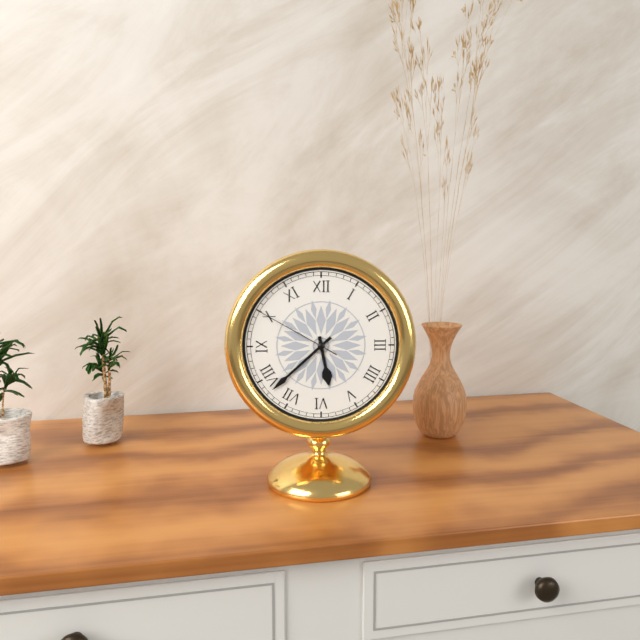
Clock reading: 5h38m50s
